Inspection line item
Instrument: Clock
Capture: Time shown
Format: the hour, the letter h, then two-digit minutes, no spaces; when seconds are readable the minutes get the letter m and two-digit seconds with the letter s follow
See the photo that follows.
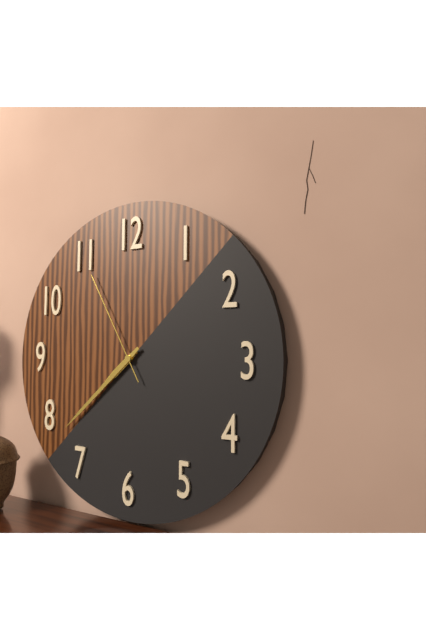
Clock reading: 7h38m55s
